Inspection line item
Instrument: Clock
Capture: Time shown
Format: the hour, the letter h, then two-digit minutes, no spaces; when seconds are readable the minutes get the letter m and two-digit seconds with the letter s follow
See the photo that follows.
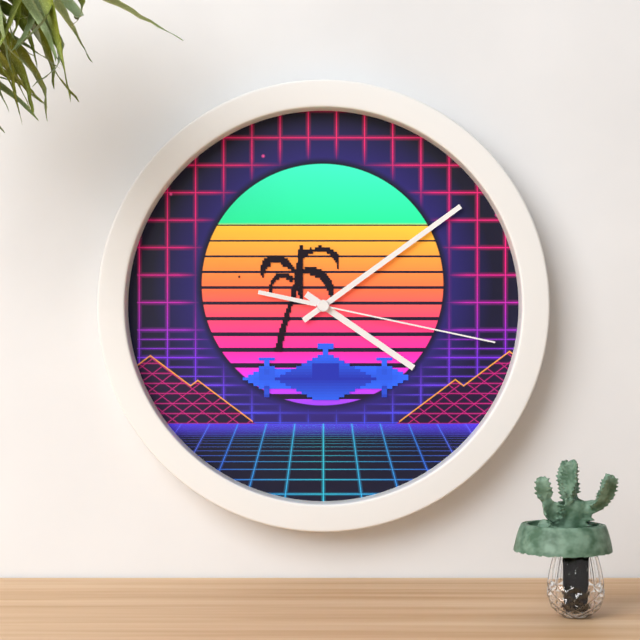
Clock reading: 4h09m17s
